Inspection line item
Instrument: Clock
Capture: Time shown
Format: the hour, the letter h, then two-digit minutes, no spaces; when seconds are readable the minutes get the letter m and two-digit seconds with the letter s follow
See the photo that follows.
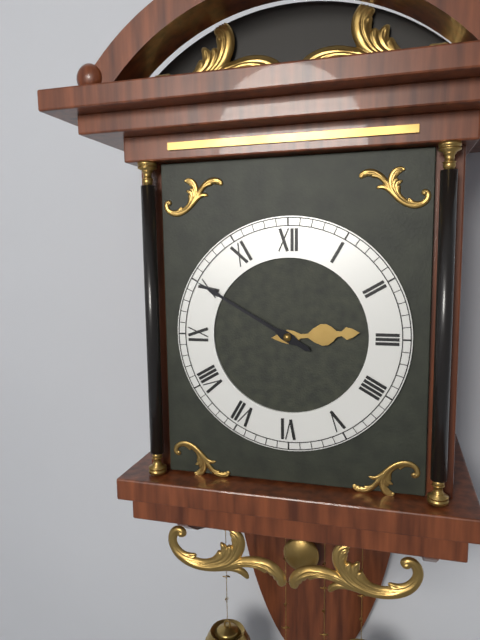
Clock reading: 2h50
